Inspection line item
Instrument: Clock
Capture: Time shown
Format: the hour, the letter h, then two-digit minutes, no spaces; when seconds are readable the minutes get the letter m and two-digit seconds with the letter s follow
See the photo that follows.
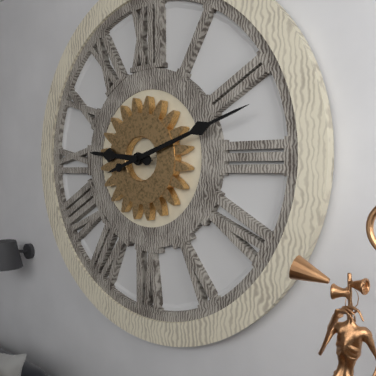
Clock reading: 9h12
